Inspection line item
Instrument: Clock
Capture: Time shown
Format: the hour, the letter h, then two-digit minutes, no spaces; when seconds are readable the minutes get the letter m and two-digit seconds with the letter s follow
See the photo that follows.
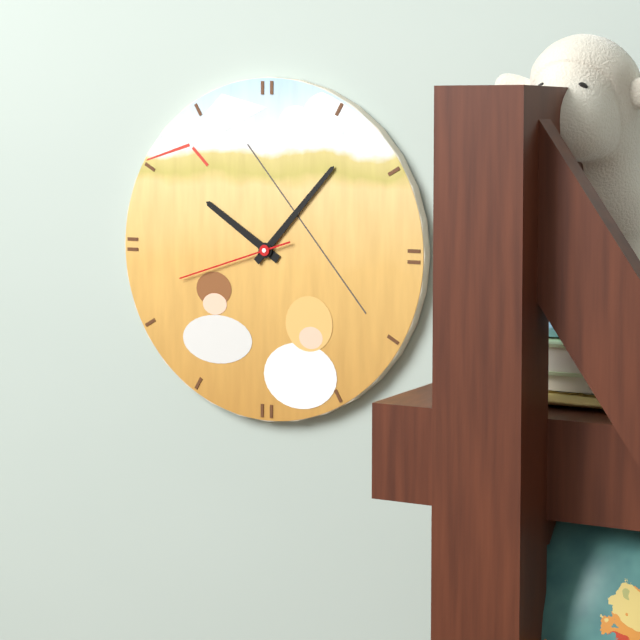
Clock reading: 10h07m42s
